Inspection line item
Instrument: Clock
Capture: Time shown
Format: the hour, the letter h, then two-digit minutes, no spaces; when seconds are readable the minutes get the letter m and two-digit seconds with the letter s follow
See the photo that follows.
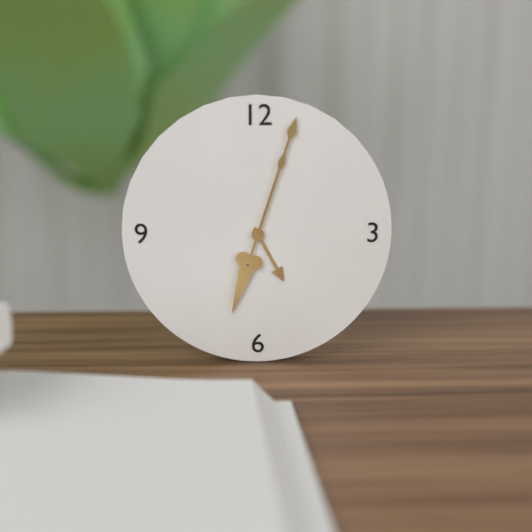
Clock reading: 5h03
